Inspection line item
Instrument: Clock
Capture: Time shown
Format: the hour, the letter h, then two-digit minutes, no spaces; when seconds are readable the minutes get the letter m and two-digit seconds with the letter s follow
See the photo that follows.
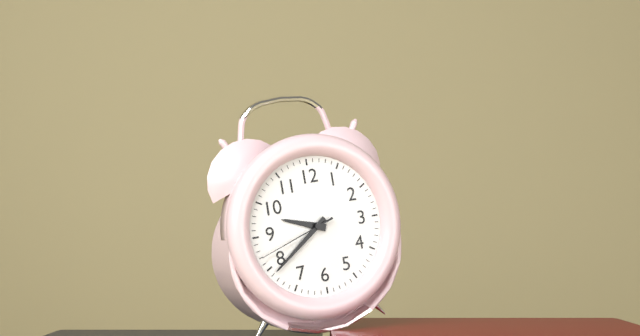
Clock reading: 9h39m42s
